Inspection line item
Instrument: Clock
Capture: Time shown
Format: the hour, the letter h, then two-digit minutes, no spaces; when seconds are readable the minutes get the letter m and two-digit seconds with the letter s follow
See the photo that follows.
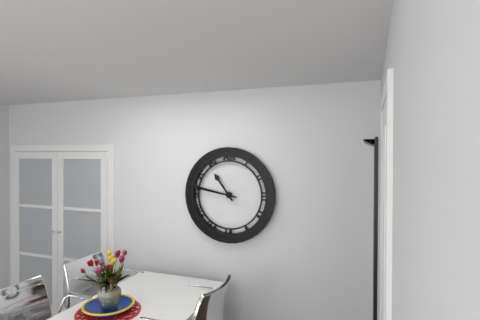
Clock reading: 10h47
